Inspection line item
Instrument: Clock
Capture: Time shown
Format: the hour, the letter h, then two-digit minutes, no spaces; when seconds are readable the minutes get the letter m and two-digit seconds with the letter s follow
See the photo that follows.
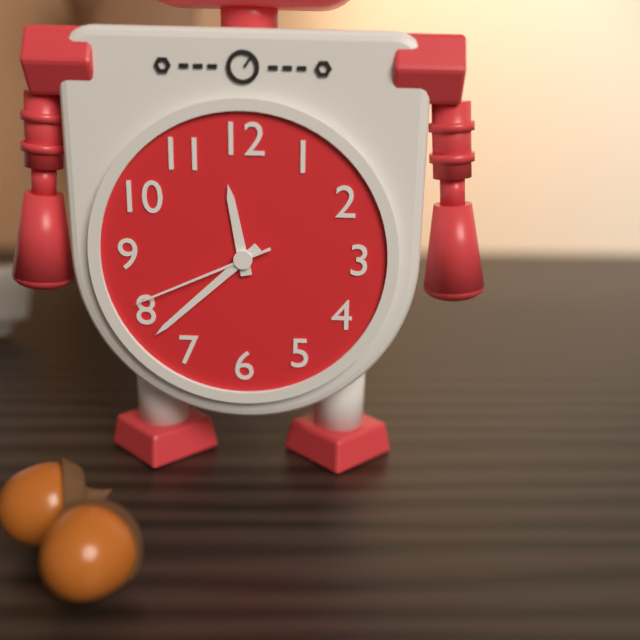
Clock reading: 11h38m41s
